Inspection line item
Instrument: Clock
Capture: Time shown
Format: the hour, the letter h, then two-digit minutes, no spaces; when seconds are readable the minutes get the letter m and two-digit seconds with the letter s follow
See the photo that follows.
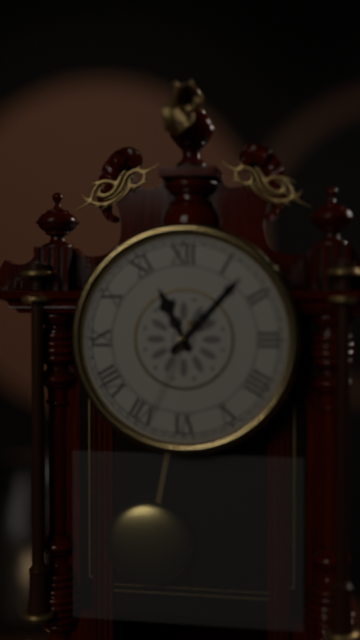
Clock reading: 11h07m34s
